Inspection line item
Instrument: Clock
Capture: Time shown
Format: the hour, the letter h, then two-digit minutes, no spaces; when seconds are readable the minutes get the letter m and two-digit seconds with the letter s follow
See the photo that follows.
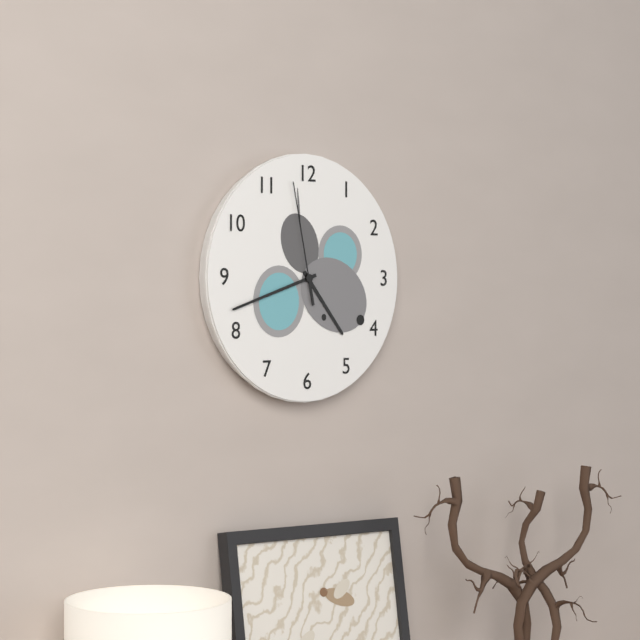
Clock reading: 4h42m58s
